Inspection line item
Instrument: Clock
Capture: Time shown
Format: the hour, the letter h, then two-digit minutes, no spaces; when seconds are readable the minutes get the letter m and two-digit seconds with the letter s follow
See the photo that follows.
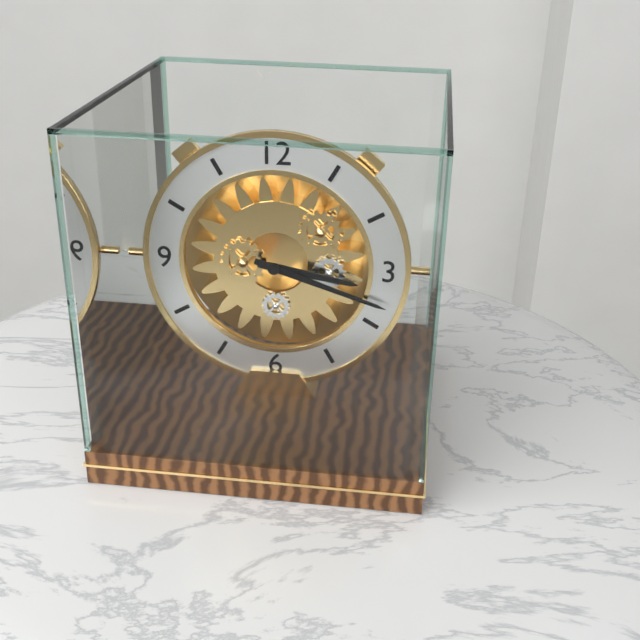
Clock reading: 3h18
